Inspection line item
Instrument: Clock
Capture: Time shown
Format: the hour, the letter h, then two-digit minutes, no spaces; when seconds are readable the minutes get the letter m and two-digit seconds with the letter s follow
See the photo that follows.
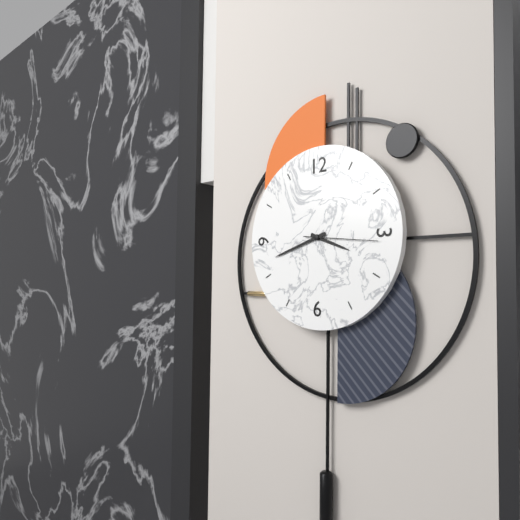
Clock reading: 3h42m16s
